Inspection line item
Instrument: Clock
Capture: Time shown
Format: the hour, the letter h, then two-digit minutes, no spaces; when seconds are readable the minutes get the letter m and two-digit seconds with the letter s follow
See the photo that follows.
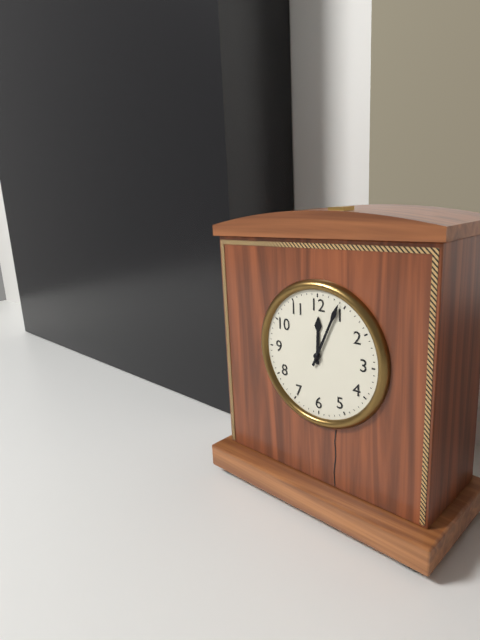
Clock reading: 12h04
